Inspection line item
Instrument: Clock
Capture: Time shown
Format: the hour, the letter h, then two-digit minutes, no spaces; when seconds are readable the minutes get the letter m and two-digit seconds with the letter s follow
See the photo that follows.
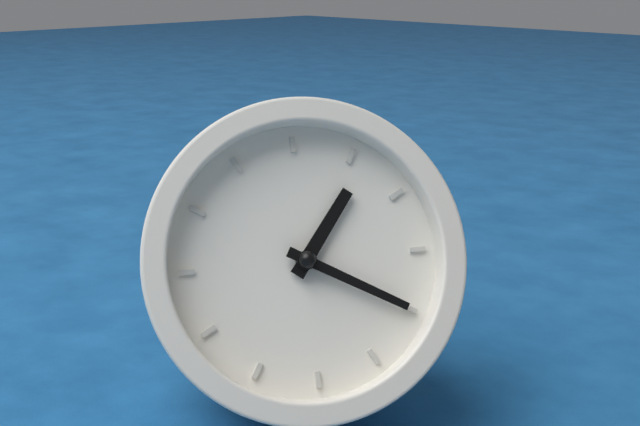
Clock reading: 12h15
